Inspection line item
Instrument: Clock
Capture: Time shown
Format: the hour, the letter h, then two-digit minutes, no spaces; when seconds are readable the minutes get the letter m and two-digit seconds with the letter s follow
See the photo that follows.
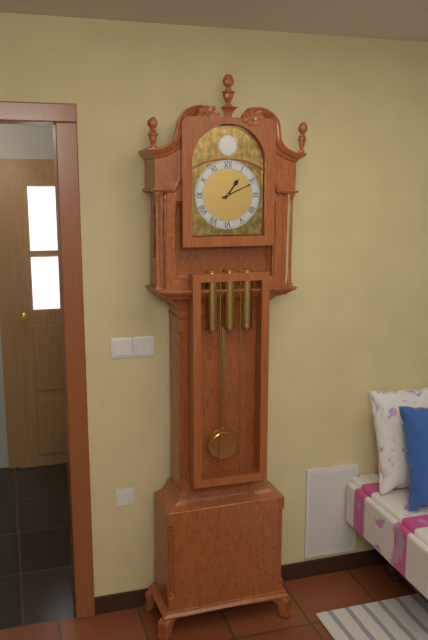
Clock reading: 1h11
